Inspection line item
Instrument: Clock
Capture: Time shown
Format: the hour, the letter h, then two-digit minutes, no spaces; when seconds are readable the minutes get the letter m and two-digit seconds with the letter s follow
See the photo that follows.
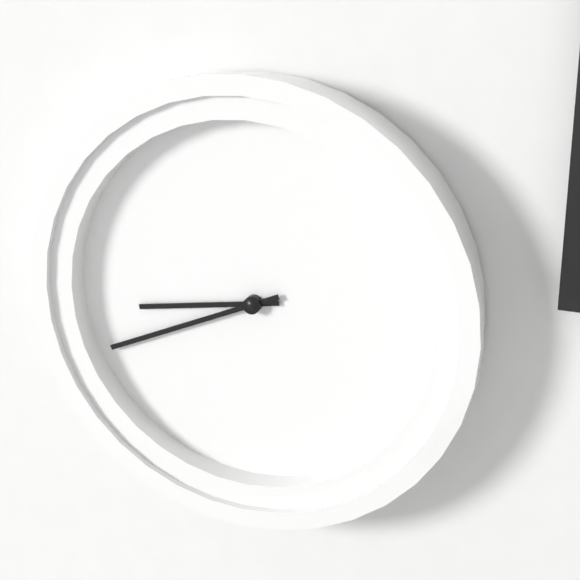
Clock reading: 8h41
